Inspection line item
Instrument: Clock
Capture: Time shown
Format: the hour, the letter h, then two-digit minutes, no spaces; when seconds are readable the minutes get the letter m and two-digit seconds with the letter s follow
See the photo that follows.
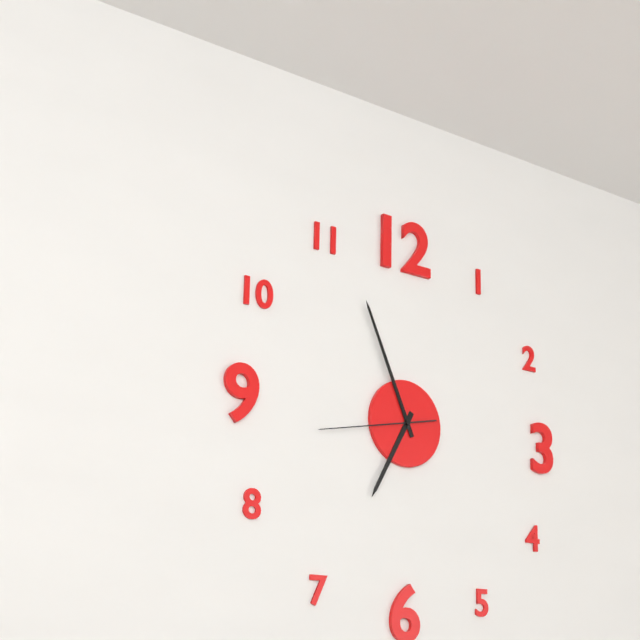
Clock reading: 6h56m43s
